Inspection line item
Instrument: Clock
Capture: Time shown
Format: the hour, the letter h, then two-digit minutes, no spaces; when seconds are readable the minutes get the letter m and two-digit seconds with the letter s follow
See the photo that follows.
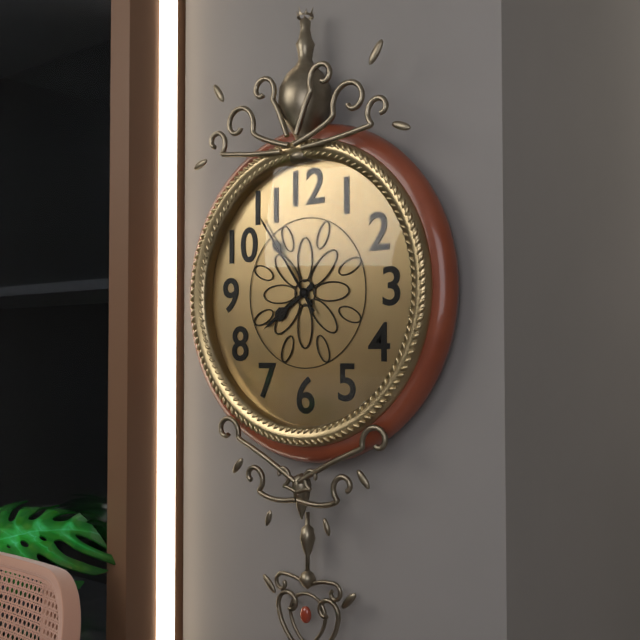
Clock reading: 7h54m54s
